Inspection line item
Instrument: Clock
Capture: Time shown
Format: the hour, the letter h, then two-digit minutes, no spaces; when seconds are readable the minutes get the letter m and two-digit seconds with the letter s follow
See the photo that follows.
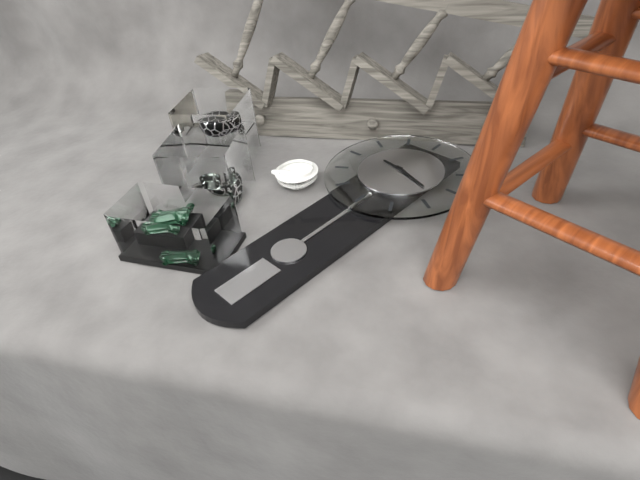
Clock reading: 9h18
